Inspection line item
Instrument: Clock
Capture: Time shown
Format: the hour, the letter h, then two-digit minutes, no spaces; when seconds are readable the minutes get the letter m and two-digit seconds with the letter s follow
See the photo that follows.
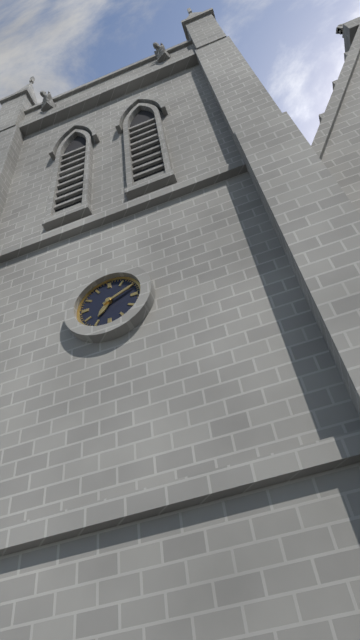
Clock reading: 7h11
